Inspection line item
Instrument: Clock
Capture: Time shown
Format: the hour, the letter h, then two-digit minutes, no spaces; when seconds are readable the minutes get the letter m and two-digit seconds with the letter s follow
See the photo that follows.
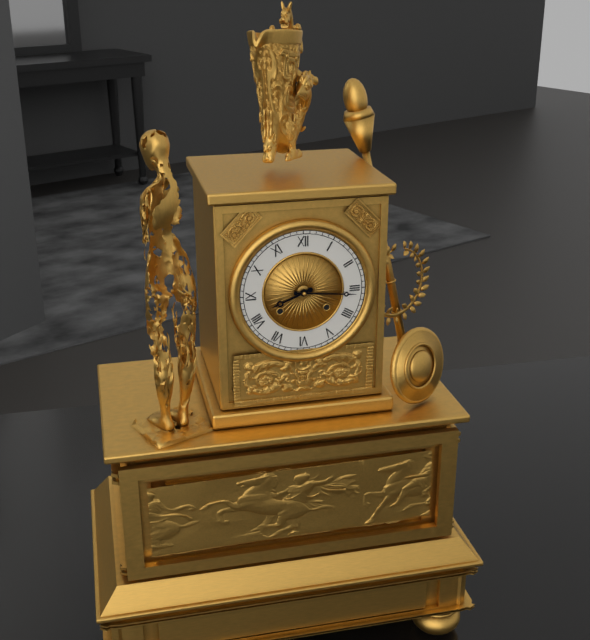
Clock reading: 8h16
